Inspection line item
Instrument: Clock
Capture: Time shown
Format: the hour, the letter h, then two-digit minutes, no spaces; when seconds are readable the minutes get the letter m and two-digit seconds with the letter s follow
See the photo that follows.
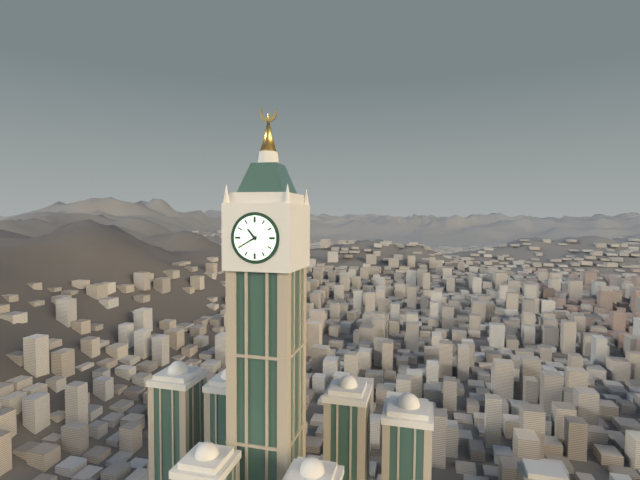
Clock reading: 10h40
